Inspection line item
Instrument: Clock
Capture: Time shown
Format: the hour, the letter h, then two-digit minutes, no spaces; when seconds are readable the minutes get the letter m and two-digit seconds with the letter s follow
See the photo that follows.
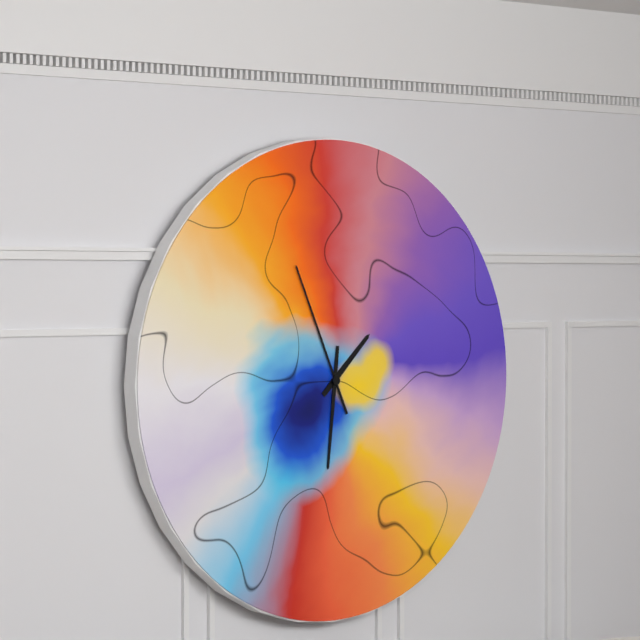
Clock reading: 1h31m56s
